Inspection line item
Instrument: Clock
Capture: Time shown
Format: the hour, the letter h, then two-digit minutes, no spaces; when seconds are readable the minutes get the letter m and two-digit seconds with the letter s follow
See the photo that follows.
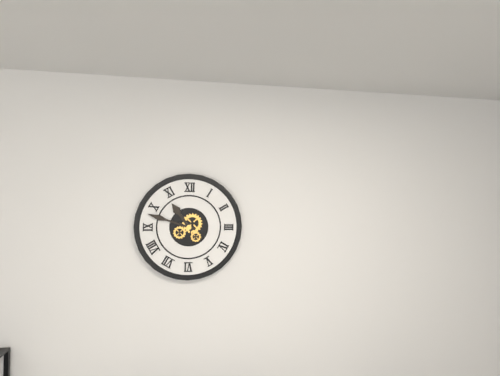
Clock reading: 10h48
